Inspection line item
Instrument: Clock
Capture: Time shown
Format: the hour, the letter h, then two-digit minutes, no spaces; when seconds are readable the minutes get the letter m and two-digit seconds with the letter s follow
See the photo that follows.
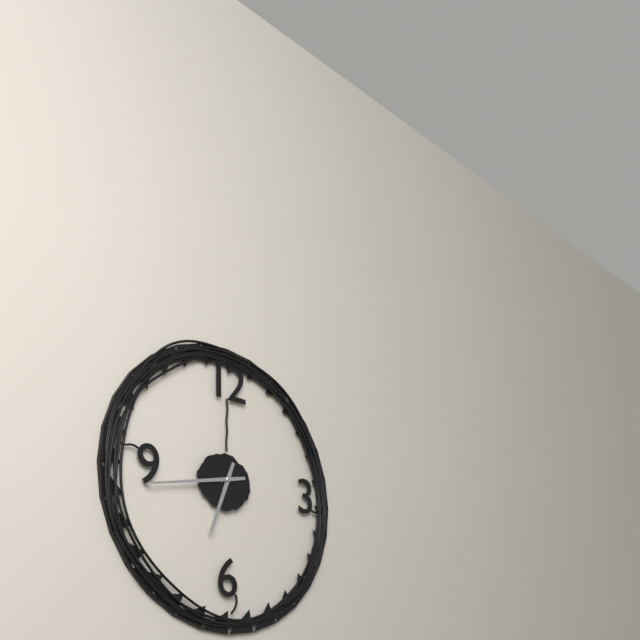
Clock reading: 6h43
